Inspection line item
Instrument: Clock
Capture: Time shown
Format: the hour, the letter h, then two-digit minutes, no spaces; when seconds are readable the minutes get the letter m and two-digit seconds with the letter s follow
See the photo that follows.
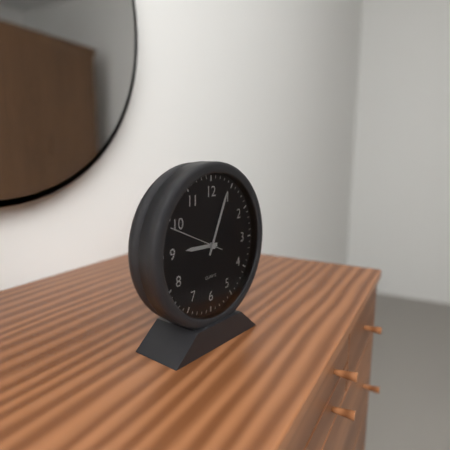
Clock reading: 9h04m49s
